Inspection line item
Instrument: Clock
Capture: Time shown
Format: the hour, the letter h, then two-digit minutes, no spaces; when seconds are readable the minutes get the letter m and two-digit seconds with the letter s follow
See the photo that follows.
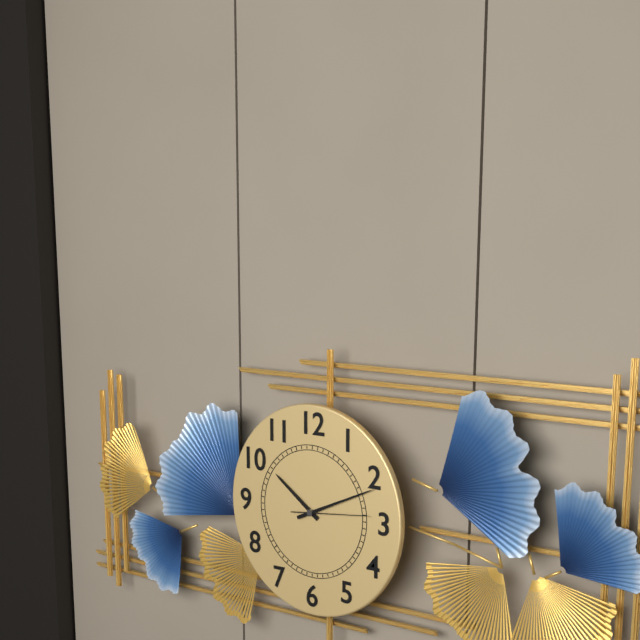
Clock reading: 10h11m14s
